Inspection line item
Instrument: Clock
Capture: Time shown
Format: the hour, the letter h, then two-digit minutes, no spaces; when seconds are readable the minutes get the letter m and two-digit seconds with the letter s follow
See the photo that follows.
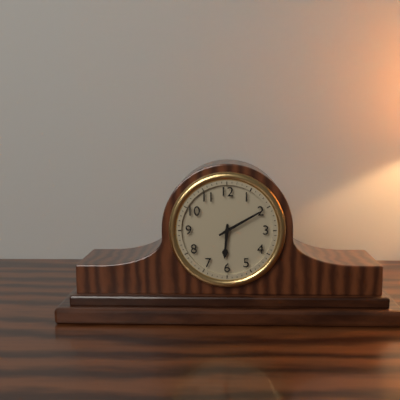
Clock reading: 6h10
